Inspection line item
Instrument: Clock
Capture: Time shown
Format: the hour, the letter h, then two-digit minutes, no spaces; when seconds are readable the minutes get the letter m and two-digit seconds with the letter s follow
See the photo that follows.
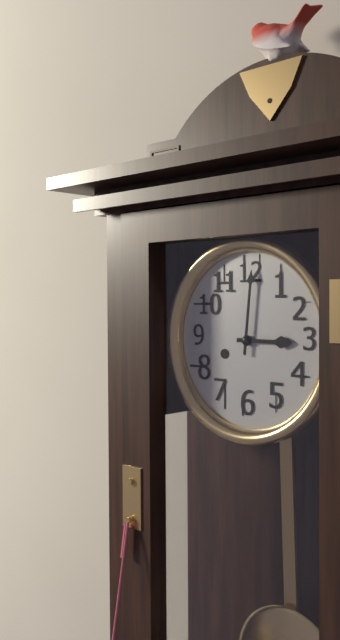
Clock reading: 3h01
